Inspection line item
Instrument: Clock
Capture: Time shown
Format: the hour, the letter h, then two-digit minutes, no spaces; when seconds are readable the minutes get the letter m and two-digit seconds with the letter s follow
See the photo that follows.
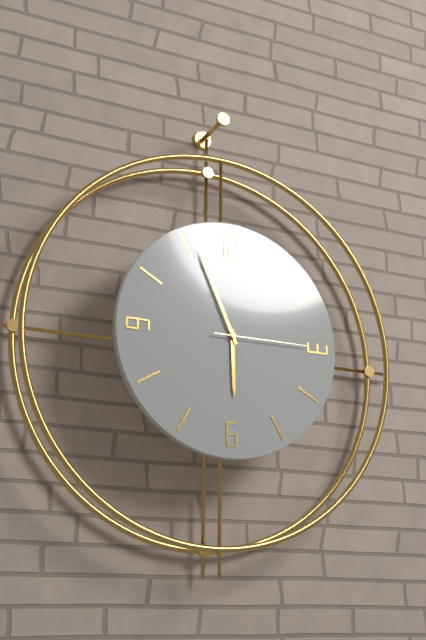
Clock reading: 5h56m15s
